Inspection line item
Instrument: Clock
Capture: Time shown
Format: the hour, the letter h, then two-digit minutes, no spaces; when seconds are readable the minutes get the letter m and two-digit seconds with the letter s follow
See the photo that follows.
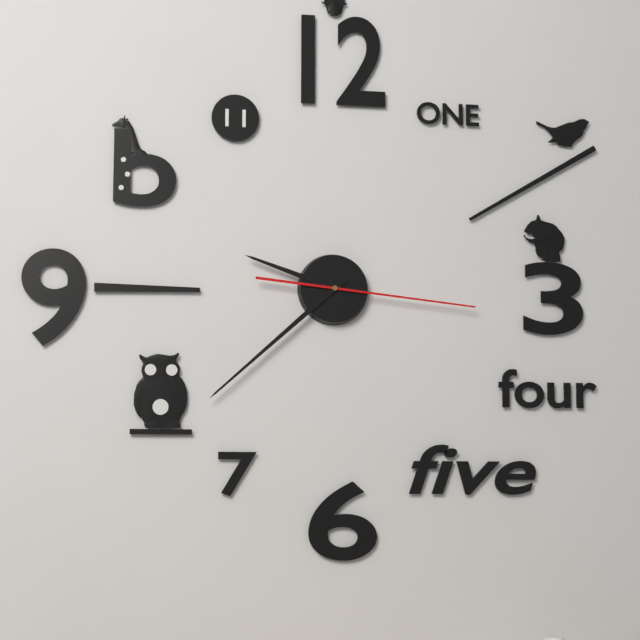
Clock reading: 9h38m16s
